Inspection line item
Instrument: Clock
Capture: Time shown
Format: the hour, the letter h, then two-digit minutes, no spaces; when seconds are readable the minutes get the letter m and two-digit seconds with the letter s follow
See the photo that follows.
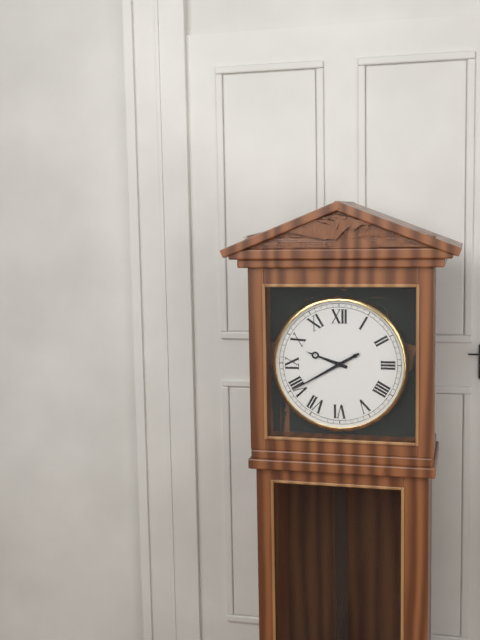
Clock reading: 9h40
